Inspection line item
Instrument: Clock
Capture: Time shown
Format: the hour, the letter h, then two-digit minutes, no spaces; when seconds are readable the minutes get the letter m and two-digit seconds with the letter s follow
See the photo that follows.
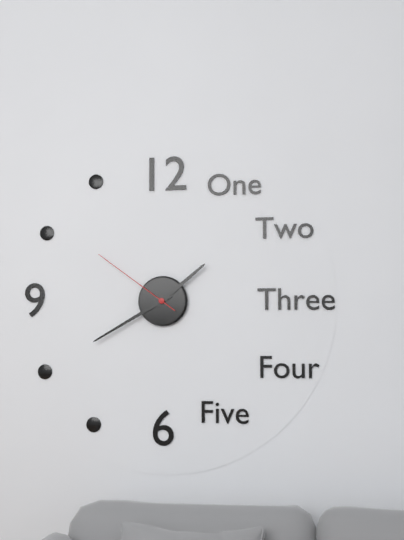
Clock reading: 1h40m51s
